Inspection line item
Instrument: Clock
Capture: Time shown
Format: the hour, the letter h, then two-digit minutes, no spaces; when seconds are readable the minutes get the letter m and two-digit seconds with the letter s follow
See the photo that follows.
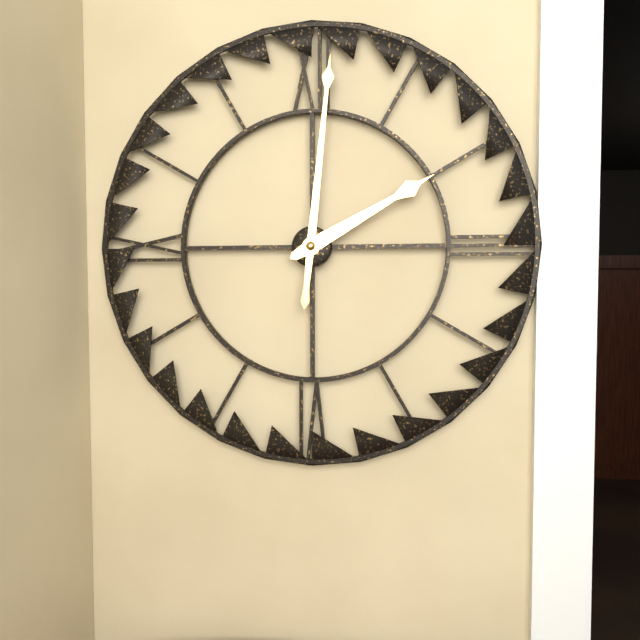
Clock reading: 2h01
